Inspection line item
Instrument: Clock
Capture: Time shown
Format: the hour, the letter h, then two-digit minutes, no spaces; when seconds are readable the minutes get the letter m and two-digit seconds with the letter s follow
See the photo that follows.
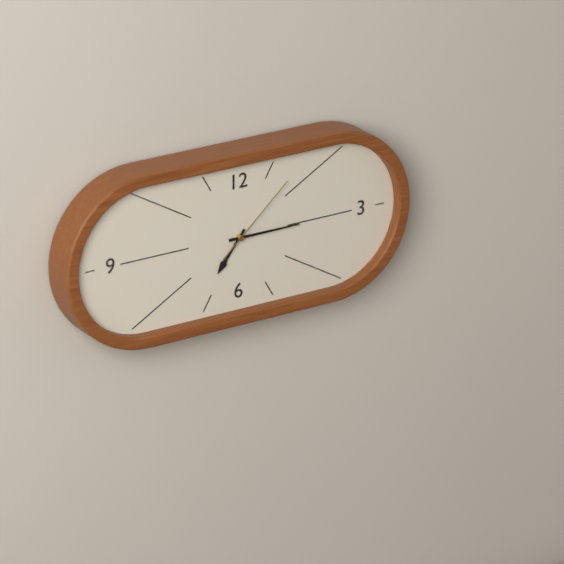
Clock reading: 7h15m08s
